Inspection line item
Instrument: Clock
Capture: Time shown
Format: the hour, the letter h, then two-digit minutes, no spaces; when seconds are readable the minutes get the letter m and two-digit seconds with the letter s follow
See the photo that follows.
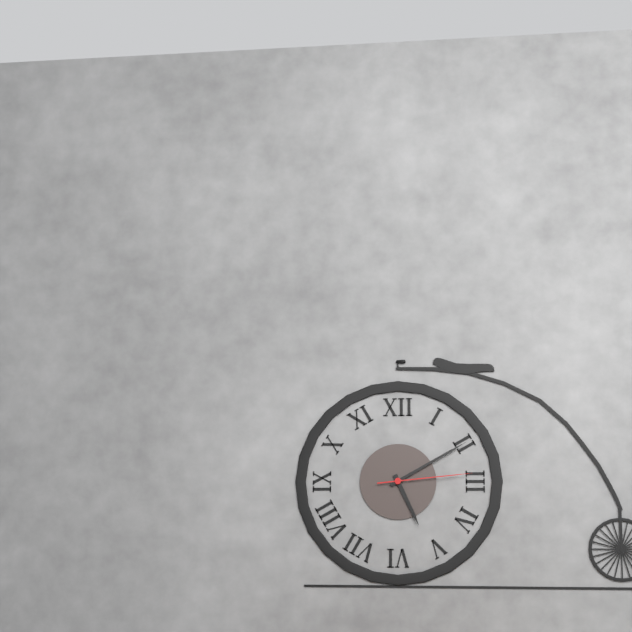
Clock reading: 5h10m14s
